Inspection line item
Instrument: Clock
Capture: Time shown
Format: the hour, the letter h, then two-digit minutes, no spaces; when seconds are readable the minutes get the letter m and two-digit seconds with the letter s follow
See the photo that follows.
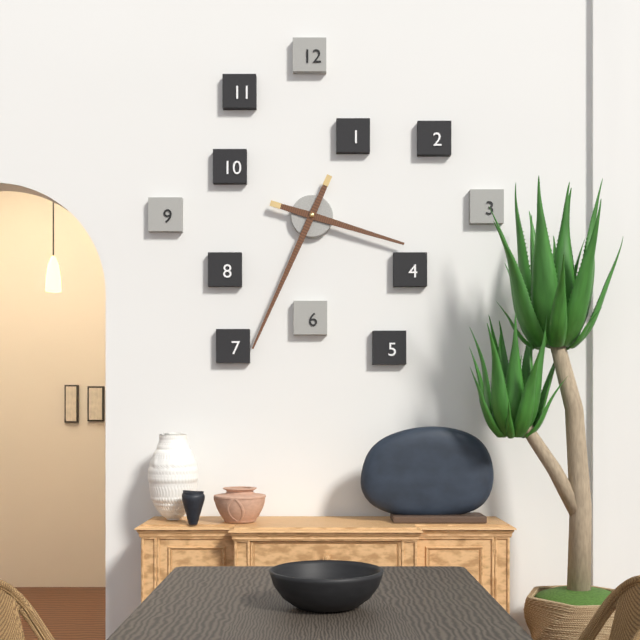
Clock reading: 3h34
